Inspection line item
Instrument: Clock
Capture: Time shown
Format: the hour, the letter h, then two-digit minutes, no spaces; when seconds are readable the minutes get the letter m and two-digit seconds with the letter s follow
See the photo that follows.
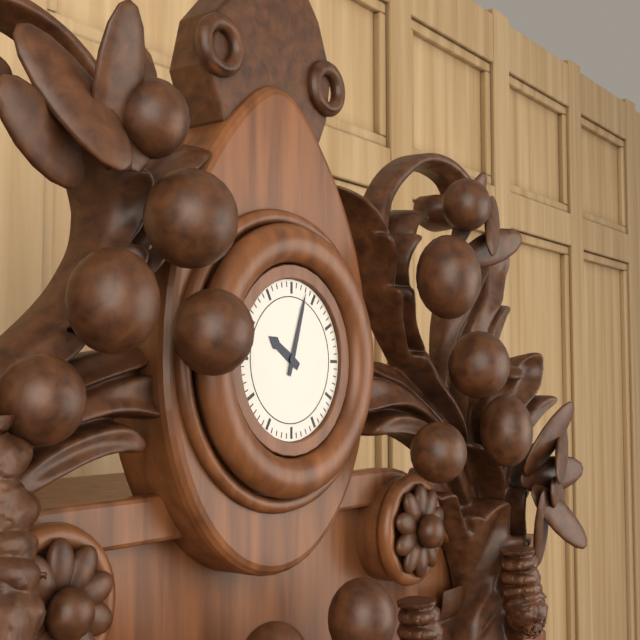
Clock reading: 10h03
